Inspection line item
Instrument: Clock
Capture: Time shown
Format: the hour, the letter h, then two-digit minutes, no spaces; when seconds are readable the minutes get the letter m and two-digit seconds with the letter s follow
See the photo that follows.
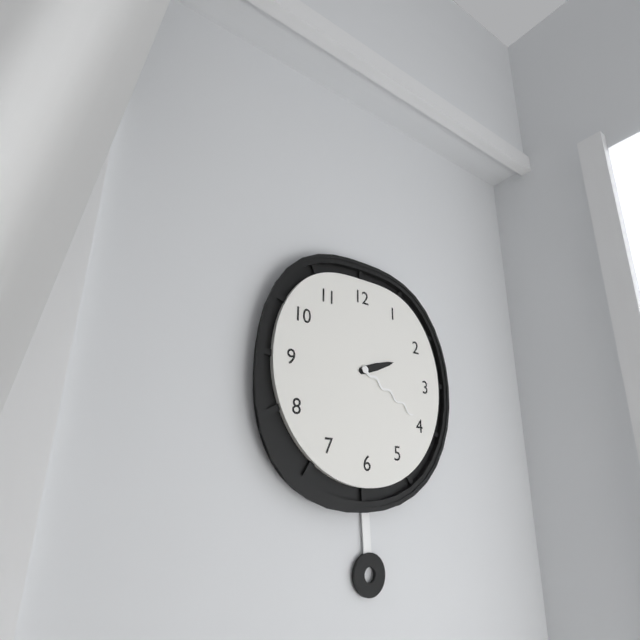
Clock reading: 2h20
